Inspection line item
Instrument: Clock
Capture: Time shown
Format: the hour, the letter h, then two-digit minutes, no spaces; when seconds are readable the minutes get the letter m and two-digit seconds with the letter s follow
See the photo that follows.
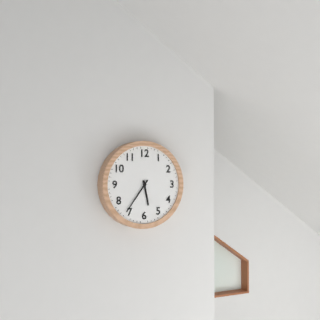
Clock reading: 5h36
